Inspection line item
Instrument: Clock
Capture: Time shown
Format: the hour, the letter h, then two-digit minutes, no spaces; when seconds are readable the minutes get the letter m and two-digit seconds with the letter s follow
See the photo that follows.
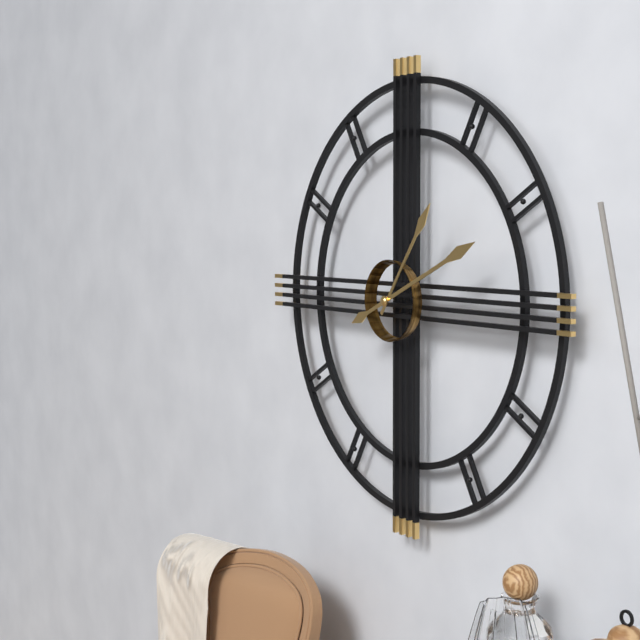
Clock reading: 1h11
